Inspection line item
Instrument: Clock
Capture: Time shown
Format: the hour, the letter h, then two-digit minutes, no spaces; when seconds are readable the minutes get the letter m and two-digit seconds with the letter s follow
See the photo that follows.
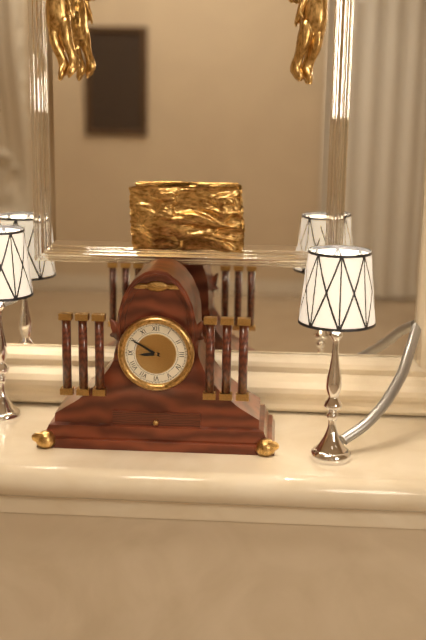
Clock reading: 8h50
